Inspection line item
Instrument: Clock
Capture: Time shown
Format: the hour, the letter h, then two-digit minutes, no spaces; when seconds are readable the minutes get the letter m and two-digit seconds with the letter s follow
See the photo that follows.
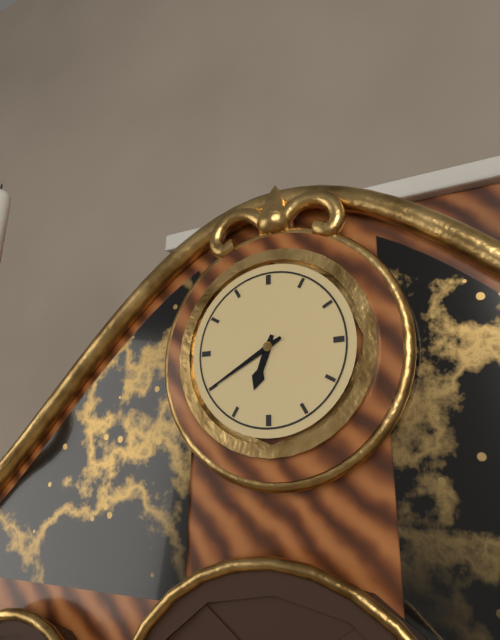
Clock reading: 6h40
